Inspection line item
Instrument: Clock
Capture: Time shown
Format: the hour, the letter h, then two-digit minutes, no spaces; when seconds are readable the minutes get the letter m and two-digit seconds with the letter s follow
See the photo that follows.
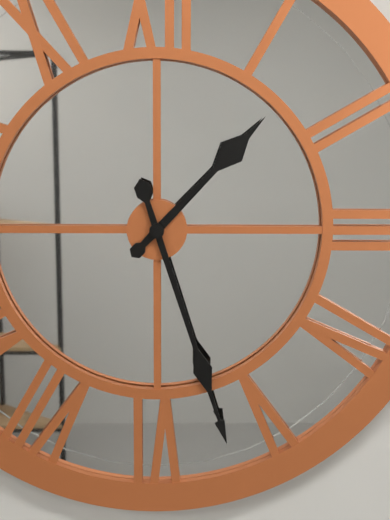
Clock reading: 1h27
